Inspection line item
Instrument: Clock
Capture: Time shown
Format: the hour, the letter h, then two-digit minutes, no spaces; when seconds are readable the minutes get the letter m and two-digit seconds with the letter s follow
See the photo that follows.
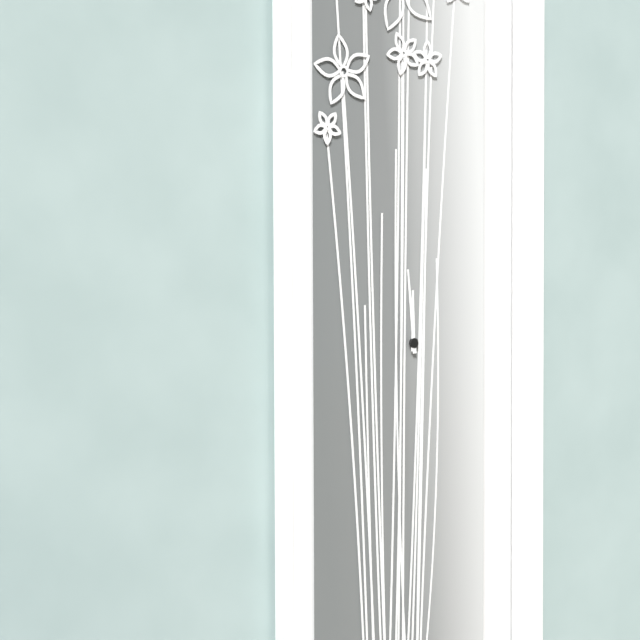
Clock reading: 11h59
